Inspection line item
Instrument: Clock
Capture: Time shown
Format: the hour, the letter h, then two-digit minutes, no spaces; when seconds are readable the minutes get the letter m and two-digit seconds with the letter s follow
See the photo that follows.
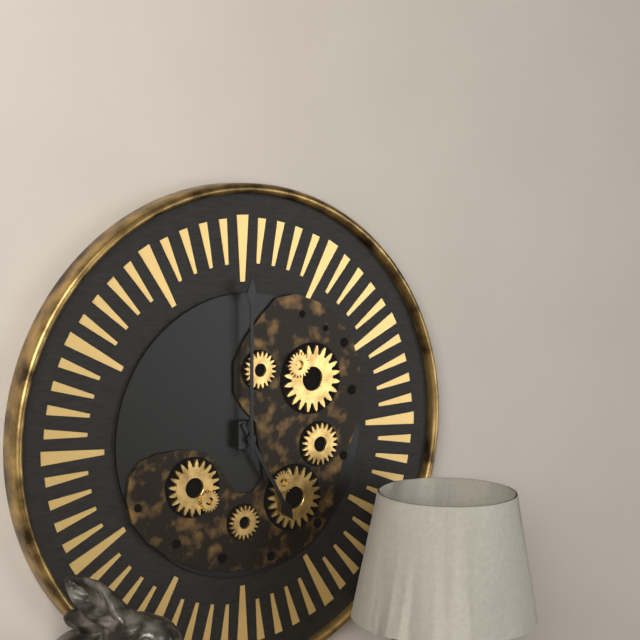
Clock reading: 5h00
